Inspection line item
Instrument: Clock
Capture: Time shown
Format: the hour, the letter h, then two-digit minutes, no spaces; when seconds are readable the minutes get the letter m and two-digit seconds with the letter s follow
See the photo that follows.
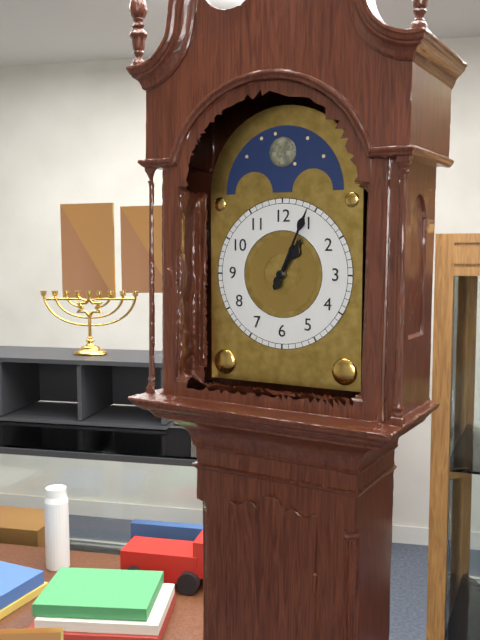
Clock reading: 1h04
